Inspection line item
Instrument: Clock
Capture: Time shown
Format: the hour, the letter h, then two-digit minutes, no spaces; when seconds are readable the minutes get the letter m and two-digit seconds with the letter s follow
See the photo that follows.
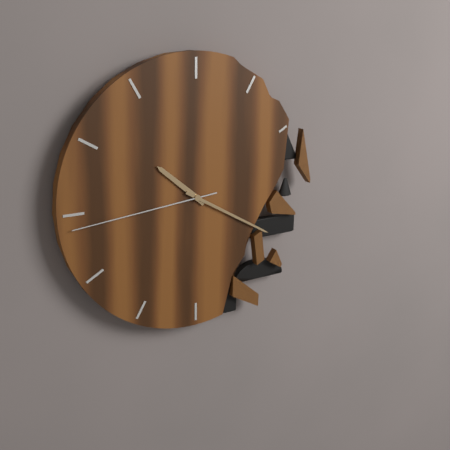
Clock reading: 10h20m44s
